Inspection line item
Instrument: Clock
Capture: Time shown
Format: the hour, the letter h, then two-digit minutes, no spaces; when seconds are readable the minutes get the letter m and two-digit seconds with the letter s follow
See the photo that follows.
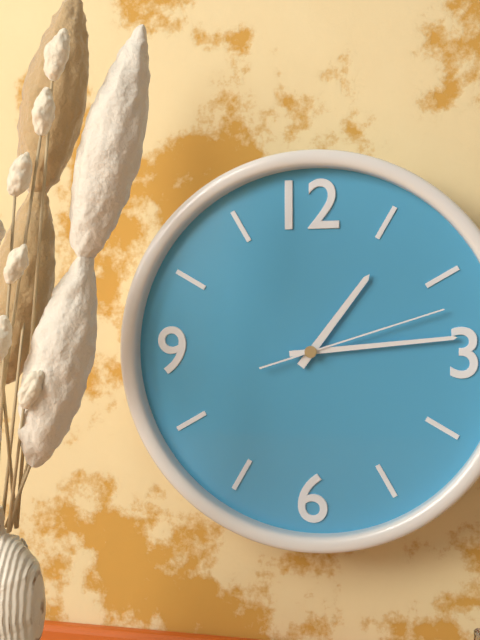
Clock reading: 1h14m12s
